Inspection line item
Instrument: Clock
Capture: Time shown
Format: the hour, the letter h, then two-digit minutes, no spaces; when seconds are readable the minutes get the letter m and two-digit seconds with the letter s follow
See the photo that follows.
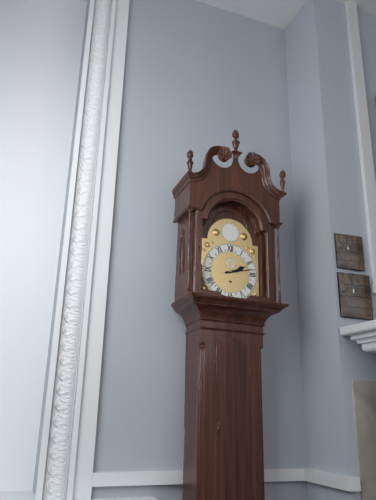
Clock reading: 2h13
